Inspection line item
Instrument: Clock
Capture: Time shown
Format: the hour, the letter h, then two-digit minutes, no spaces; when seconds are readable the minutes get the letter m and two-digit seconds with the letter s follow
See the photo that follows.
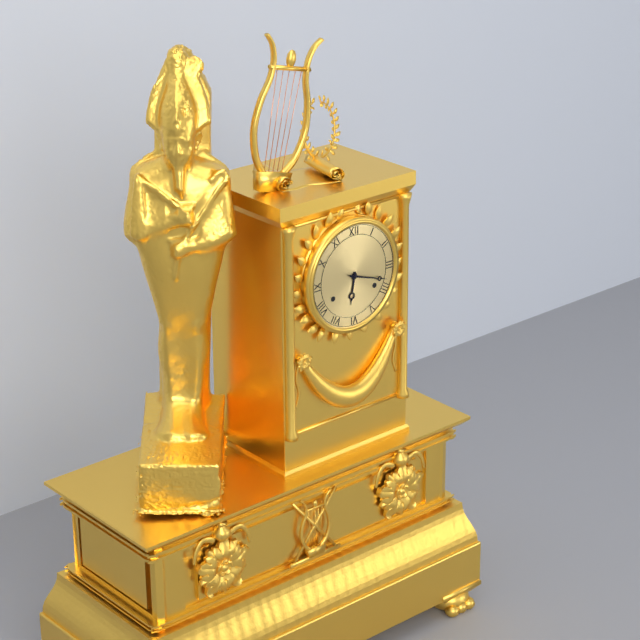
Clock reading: 6h18
